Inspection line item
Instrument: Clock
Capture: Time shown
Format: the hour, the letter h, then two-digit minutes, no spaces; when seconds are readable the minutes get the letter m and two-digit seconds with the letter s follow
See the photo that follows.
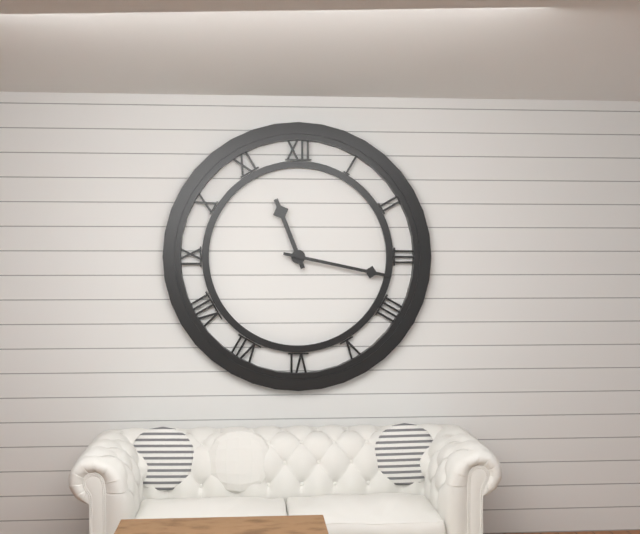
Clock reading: 11h17
